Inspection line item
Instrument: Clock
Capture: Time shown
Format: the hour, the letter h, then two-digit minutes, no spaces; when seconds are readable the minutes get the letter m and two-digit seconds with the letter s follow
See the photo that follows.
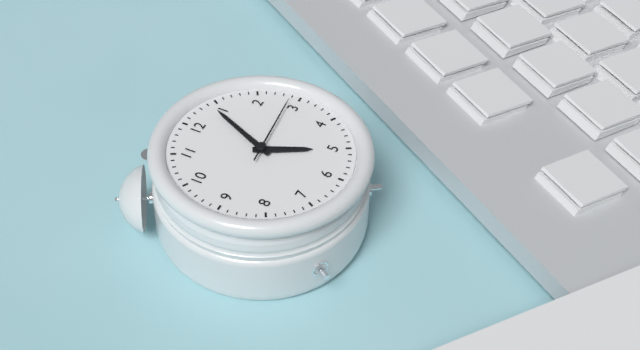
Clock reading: 5h04m14s
